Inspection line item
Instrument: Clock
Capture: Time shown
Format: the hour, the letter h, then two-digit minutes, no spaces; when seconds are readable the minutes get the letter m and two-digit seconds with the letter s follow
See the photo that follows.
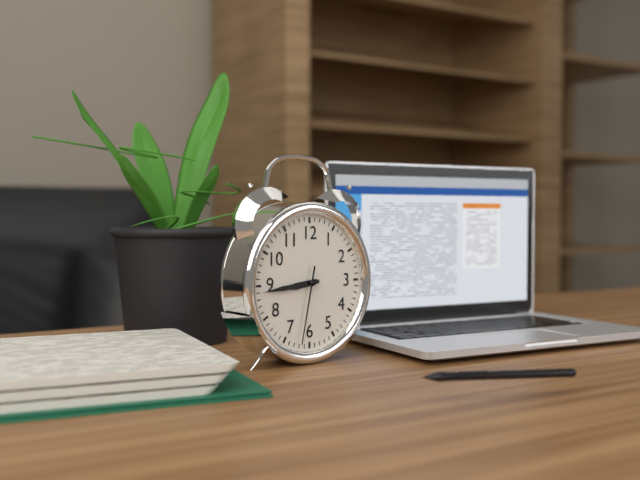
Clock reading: 8h44m32s
